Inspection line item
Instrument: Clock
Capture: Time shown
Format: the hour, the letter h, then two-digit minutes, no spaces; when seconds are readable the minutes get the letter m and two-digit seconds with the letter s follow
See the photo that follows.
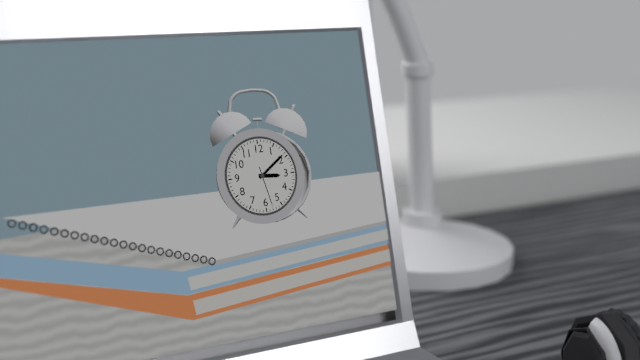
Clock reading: 3h09
